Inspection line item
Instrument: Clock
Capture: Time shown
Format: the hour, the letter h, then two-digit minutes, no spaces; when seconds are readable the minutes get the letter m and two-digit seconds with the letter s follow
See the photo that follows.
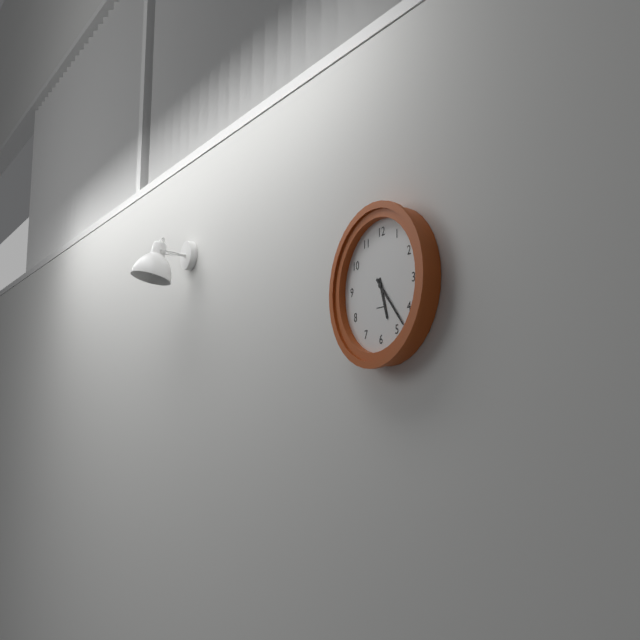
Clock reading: 5h23
